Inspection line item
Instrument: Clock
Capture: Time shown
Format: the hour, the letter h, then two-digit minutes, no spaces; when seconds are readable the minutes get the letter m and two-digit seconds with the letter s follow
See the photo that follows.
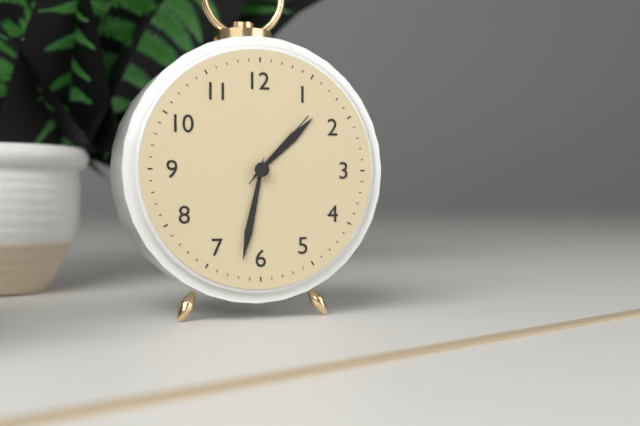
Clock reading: 1h32m07s
